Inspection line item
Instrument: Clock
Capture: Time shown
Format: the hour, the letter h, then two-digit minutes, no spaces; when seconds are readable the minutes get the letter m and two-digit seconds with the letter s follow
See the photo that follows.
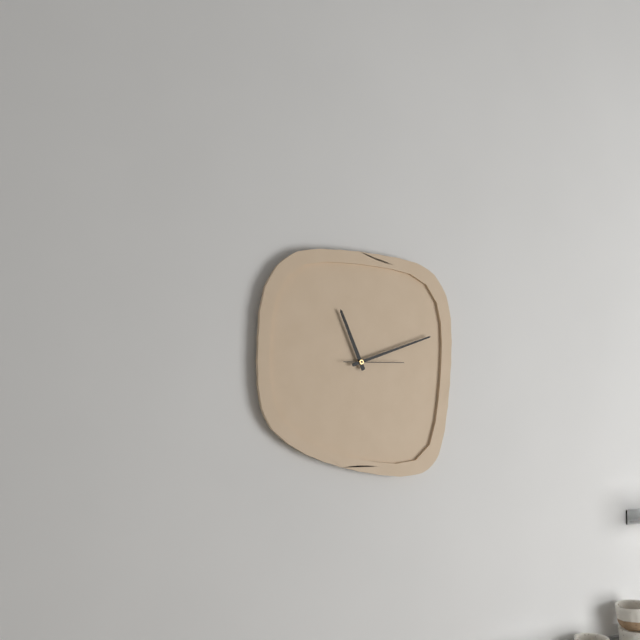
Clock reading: 11h12m15s
